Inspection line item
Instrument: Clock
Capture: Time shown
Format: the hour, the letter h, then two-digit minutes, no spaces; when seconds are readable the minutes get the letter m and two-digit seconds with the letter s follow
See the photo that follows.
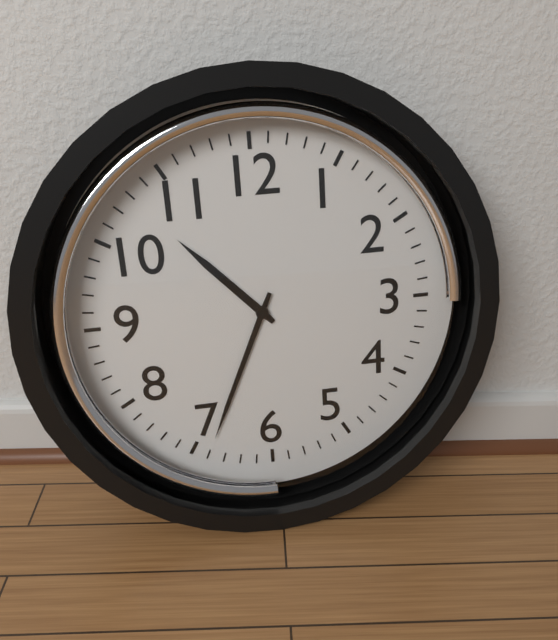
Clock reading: 10h34
